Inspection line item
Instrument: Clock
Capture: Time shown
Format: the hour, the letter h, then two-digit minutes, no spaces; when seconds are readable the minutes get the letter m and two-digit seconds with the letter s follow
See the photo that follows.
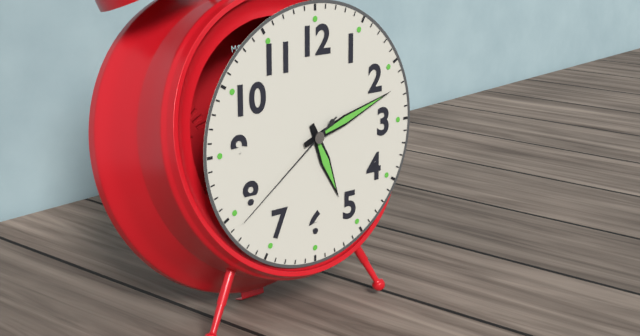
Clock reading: 5h12m39s
